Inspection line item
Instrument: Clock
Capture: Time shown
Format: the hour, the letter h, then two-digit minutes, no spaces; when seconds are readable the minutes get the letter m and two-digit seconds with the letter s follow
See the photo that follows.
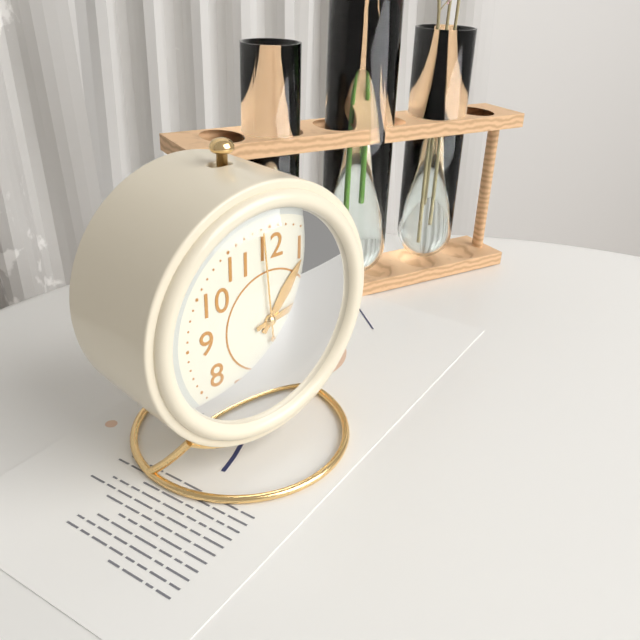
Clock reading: 1h13m59s
